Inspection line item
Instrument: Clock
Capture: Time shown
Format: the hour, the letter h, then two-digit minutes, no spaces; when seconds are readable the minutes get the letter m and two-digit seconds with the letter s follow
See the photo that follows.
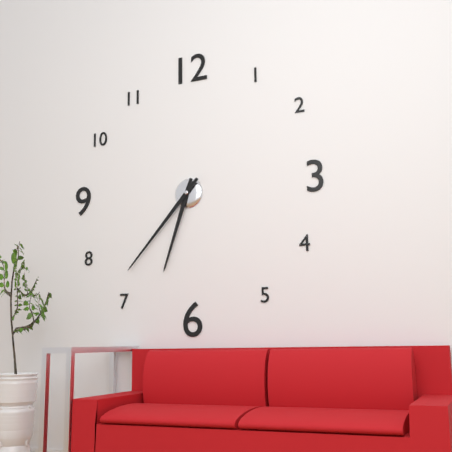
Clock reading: 6h37
